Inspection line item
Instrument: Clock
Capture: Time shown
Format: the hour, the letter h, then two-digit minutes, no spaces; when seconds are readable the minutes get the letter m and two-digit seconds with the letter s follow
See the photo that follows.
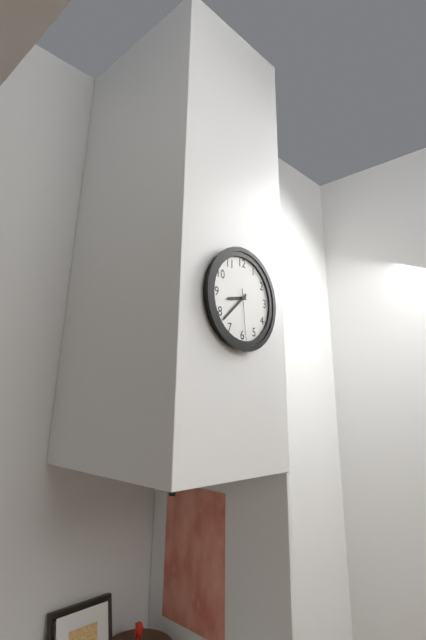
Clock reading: 8h38m29s
